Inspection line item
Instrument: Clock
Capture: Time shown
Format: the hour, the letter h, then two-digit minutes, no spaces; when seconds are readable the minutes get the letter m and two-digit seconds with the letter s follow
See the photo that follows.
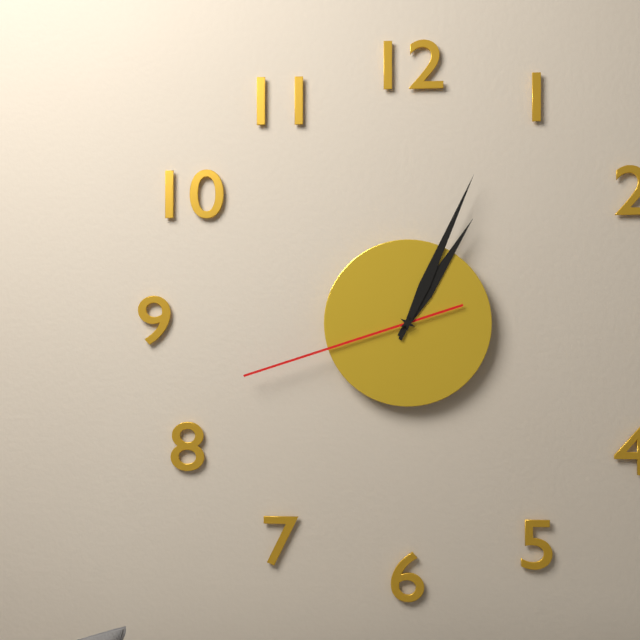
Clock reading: 1h04m42s
